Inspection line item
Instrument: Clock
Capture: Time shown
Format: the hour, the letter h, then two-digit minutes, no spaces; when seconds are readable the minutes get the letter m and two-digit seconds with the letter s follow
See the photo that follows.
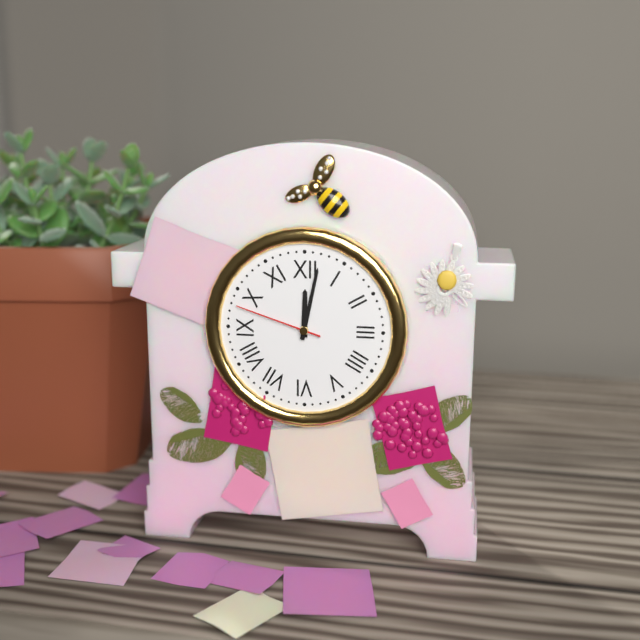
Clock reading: 12h02m48s
